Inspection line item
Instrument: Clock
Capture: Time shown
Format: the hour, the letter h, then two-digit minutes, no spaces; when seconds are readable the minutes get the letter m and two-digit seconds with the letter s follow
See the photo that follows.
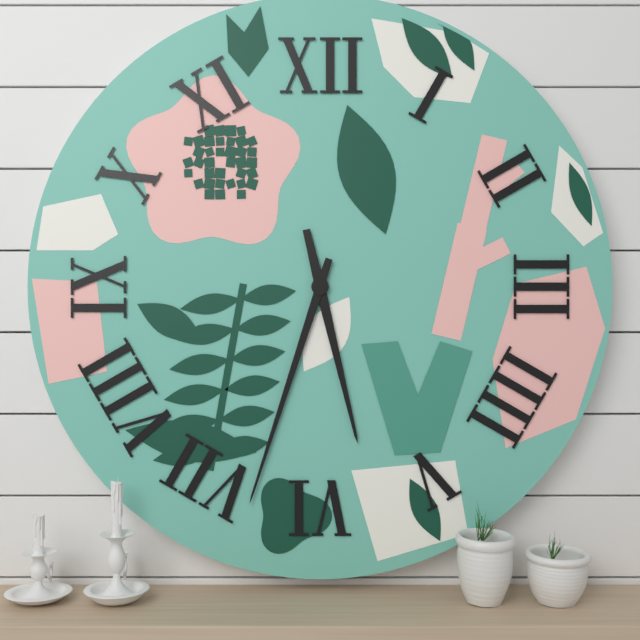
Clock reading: 5h33
